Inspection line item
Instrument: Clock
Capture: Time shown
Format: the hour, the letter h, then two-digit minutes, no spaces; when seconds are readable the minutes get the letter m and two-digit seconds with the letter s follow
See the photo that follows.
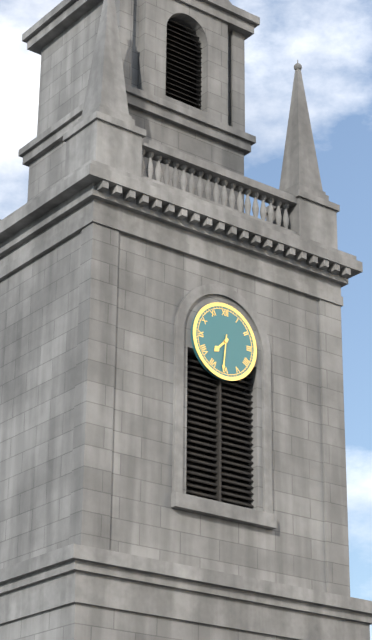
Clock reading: 7h31
